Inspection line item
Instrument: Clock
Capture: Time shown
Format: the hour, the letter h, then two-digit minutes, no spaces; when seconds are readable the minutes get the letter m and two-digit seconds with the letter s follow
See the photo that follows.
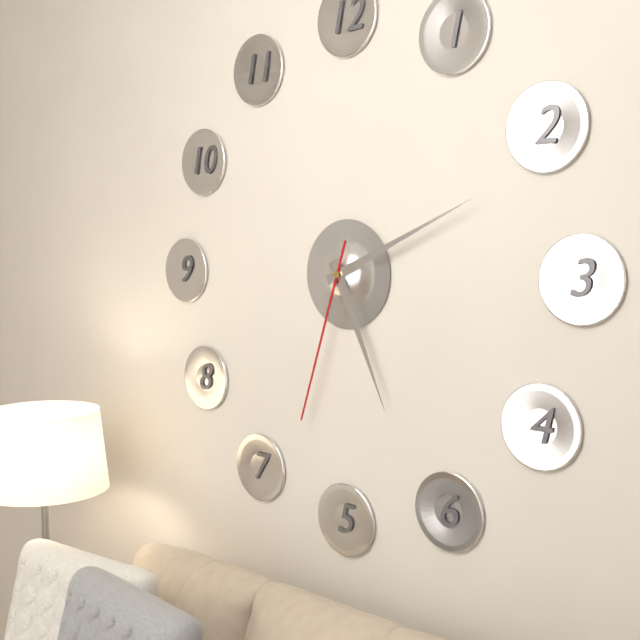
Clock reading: 5h11m33s
